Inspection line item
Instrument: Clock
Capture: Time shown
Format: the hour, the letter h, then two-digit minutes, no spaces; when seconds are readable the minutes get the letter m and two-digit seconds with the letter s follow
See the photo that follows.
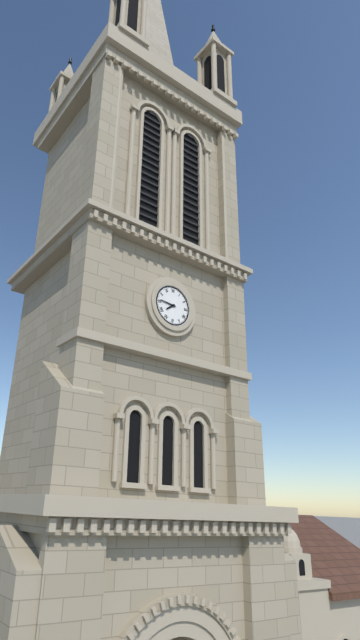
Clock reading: 7h46
